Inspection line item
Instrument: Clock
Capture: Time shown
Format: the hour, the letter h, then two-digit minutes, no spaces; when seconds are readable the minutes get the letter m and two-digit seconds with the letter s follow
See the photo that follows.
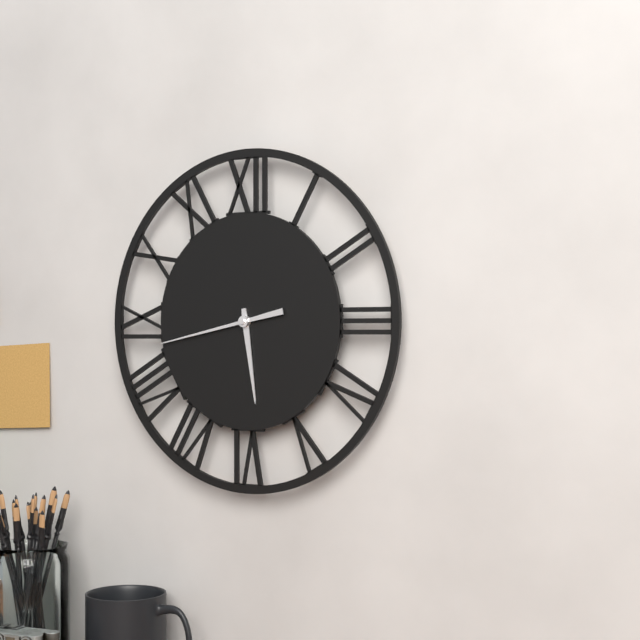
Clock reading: 5h43
